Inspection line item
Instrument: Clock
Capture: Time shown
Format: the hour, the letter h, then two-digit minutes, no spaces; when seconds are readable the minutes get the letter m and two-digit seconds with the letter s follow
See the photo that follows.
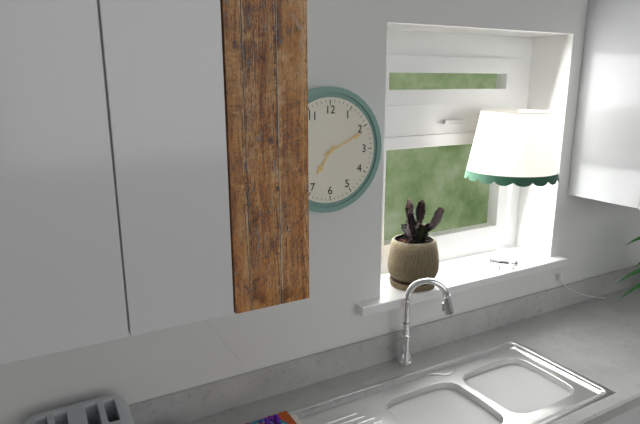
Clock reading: 7h11
